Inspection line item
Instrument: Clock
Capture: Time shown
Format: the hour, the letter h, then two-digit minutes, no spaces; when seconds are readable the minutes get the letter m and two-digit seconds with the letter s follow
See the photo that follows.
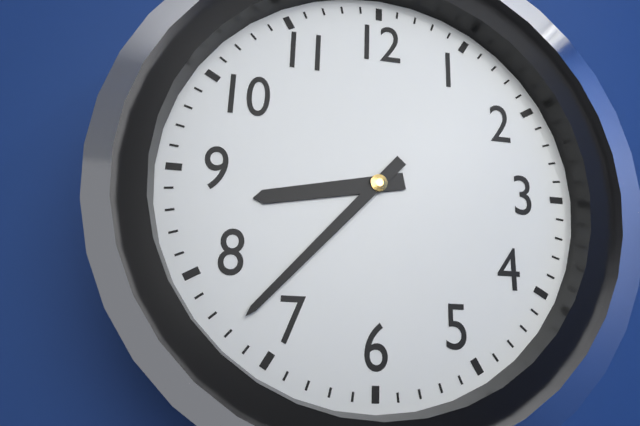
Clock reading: 8h37
